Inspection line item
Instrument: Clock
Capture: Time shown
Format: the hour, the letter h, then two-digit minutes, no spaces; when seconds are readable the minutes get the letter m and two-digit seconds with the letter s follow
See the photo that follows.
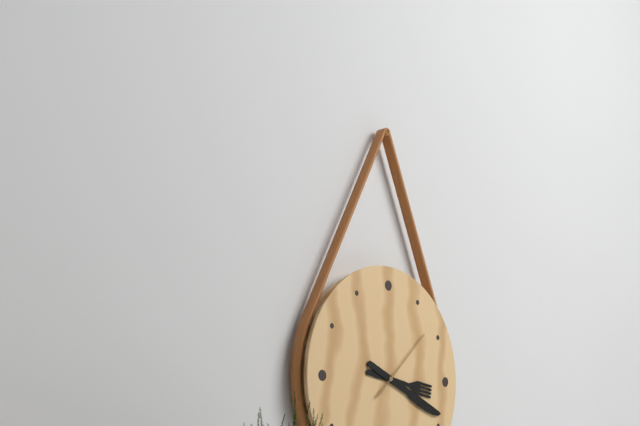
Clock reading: 3h19m08s
